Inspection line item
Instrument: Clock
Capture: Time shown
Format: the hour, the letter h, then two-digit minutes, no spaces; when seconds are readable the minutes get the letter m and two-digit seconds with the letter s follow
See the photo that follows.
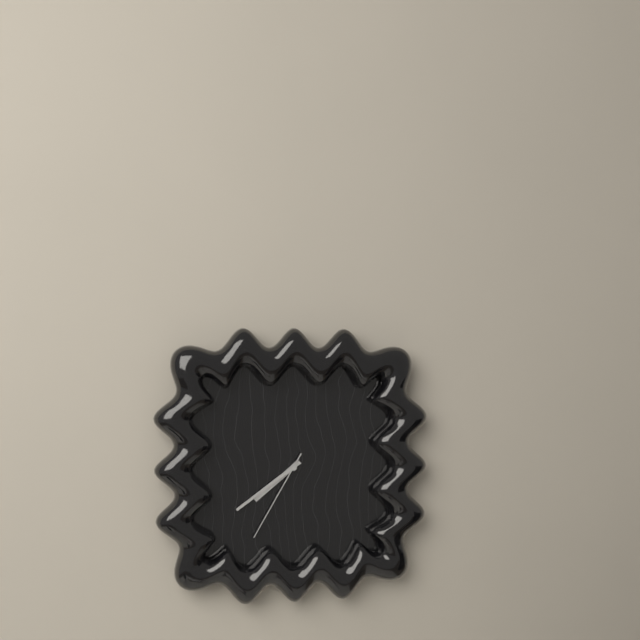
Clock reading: 7h39m35s
